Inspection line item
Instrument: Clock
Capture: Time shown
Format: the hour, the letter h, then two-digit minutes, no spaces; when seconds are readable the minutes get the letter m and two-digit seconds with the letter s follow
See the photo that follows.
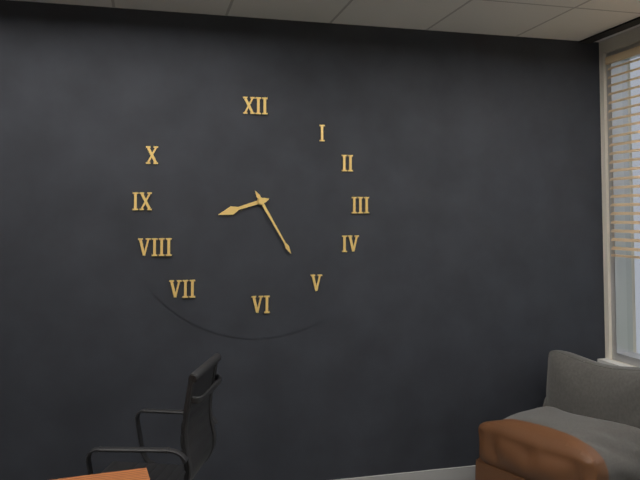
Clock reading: 8h25
